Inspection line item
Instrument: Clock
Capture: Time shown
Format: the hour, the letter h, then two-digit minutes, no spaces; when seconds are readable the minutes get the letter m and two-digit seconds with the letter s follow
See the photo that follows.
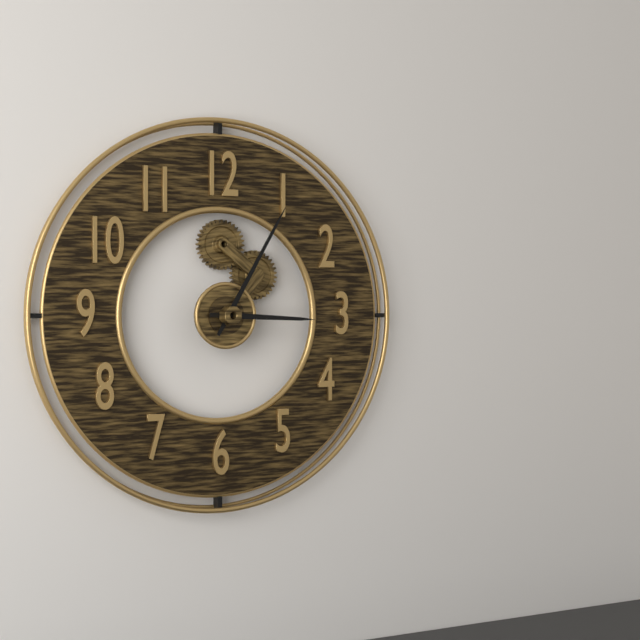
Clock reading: 3h05
